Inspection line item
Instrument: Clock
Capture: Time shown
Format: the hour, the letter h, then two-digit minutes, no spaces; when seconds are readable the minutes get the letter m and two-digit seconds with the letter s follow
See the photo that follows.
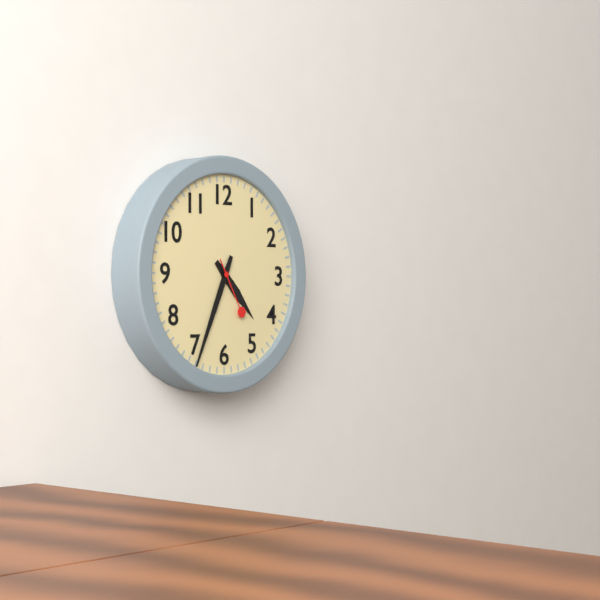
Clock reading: 4h34m25s
